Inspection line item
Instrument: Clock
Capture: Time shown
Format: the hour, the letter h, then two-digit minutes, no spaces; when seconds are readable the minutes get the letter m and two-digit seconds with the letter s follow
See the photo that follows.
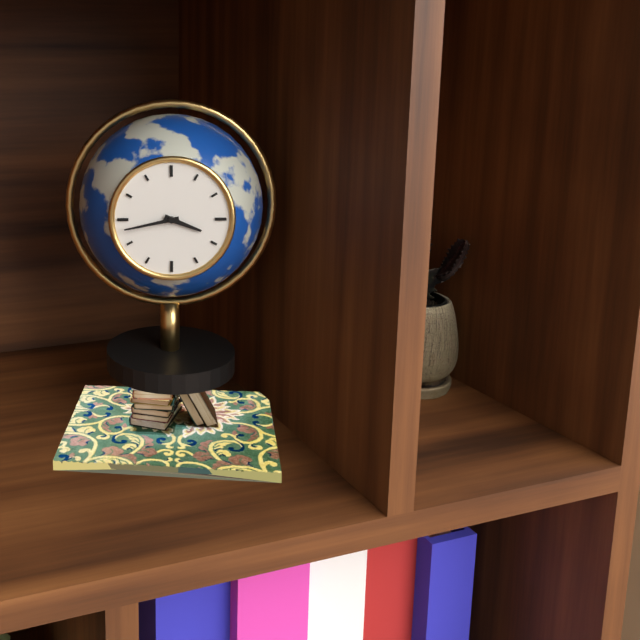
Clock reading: 3h43
